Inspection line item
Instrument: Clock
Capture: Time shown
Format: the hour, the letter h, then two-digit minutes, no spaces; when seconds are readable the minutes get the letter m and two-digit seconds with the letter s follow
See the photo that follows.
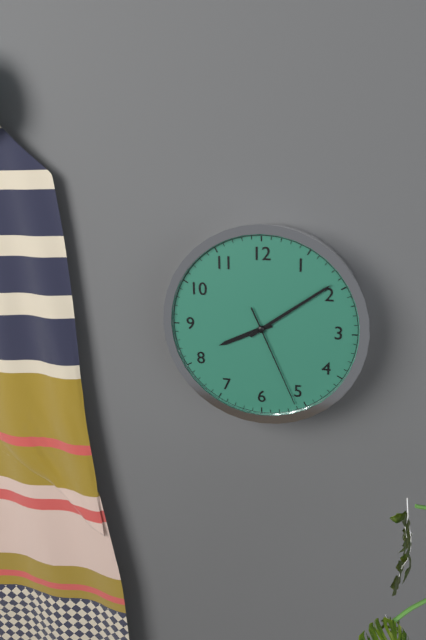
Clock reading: 8h09m26s
